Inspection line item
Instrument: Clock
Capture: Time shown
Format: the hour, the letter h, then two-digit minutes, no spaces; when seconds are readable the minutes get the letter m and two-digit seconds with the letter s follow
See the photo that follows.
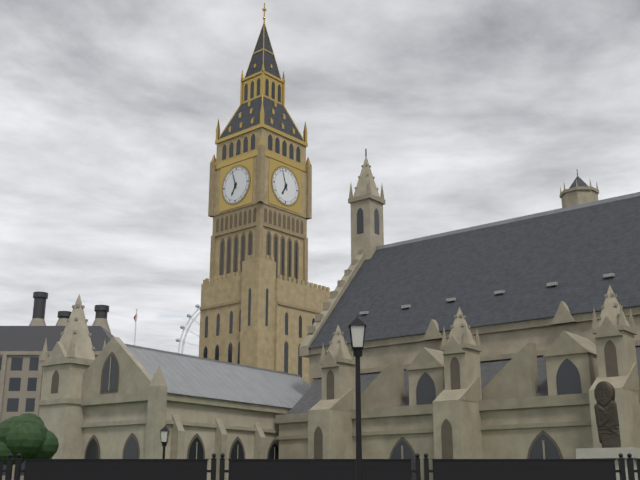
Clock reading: 6h57
